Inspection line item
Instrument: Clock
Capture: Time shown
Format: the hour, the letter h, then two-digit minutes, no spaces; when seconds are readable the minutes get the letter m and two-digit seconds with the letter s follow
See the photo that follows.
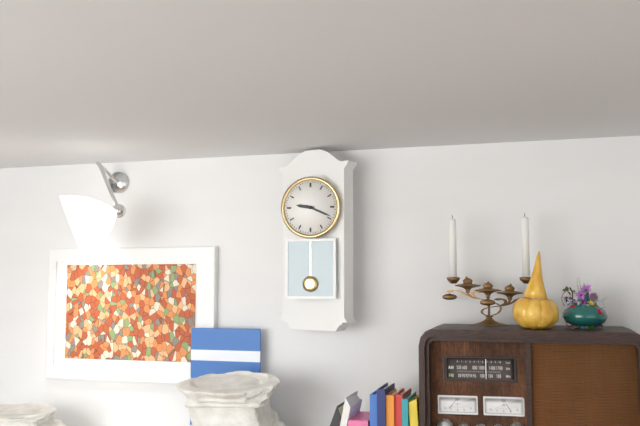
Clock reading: 9h19
